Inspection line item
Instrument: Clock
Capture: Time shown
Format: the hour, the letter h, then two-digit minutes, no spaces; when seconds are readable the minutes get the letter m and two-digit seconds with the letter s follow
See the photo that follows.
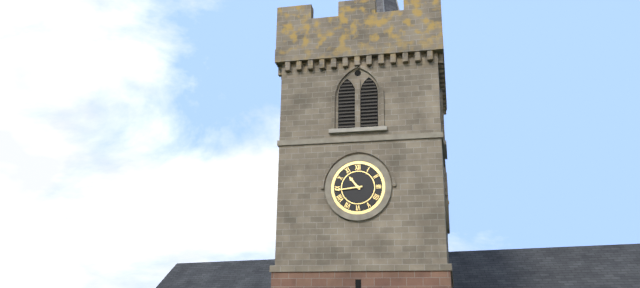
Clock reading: 10h44
